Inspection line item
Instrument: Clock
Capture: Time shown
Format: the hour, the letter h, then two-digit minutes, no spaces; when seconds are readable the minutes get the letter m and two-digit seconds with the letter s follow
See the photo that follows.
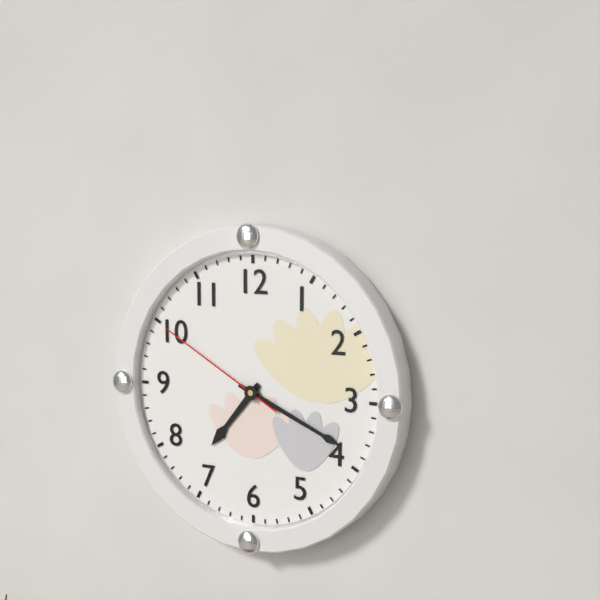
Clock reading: 7h19m50s
